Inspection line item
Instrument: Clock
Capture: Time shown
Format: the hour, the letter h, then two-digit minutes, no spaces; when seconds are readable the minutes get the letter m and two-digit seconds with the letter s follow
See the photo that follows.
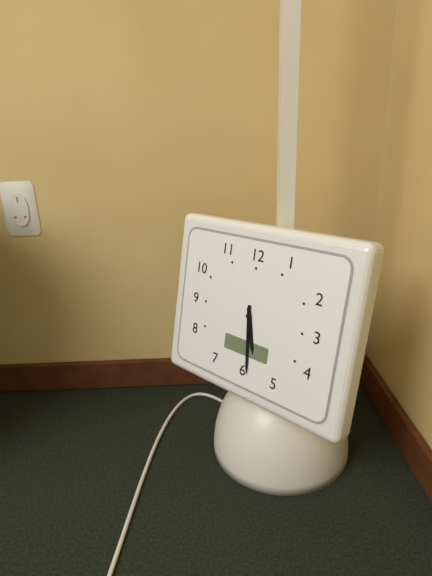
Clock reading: 5h29
